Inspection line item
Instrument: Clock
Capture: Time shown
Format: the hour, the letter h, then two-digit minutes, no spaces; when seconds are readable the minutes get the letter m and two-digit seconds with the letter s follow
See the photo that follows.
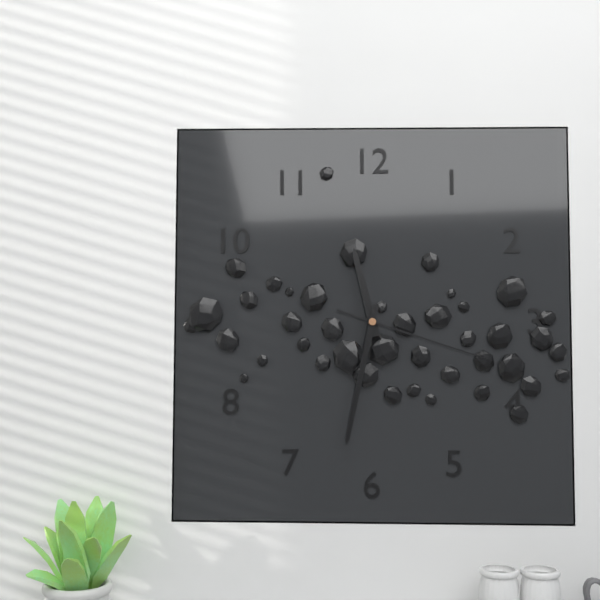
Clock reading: 11h32m18s
